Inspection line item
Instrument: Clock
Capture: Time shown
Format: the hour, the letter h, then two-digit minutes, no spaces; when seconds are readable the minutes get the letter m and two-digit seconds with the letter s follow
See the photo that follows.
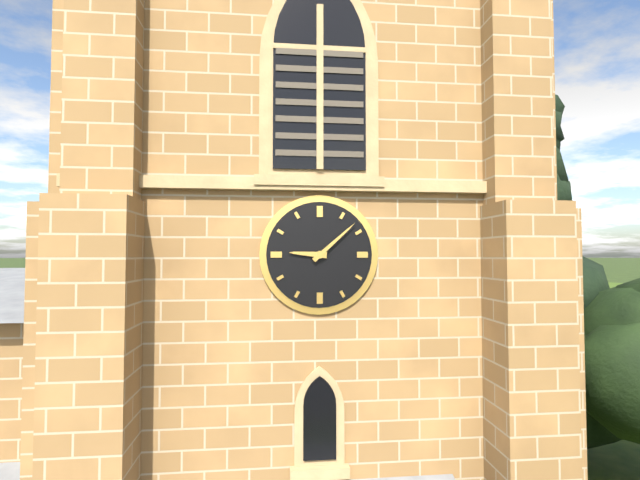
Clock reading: 9h08
